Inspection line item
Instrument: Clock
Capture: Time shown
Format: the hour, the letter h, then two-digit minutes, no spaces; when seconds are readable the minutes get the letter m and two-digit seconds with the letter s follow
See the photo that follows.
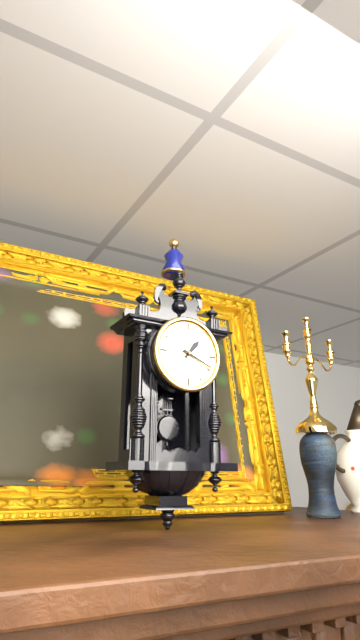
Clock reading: 1h19
